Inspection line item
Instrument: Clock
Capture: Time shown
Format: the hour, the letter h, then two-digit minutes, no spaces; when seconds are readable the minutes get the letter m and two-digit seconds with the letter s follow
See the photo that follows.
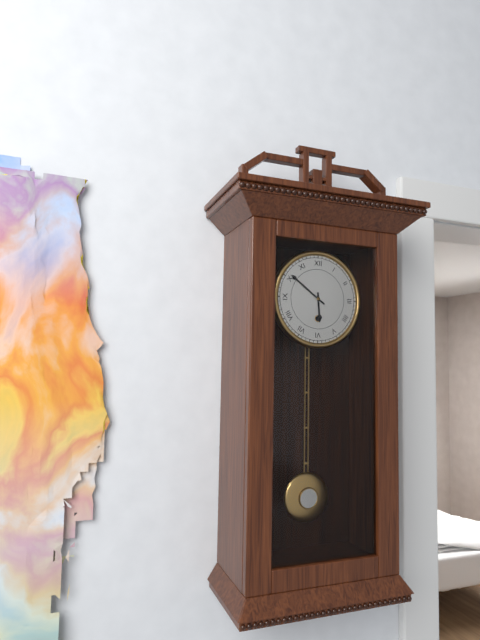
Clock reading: 5h51
